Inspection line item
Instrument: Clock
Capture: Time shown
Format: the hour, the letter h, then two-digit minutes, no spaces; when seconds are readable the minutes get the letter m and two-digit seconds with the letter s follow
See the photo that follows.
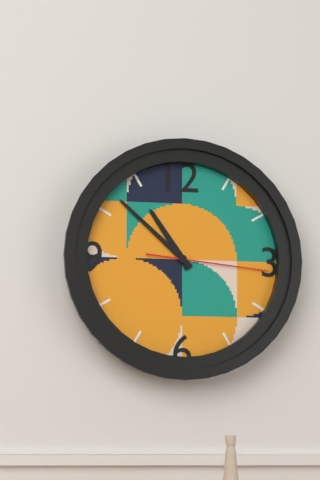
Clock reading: 10h52m16s
